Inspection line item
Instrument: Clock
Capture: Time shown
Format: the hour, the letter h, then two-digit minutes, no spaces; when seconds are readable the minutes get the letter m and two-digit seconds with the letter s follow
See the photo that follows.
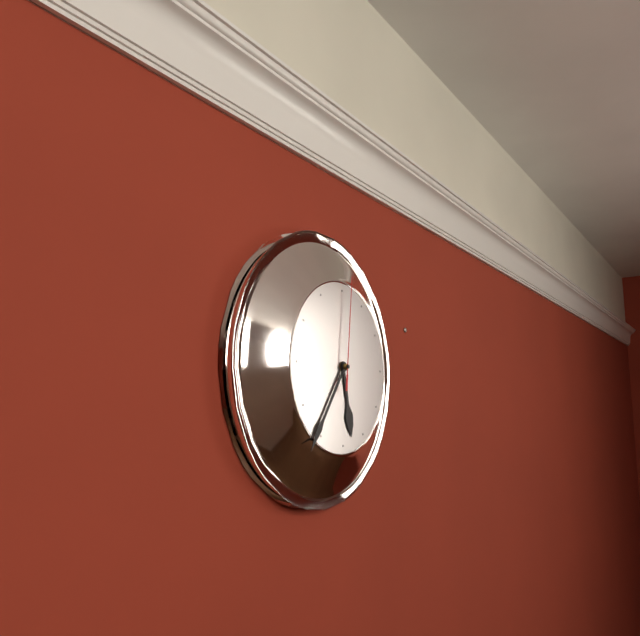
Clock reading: 5h36m01s
